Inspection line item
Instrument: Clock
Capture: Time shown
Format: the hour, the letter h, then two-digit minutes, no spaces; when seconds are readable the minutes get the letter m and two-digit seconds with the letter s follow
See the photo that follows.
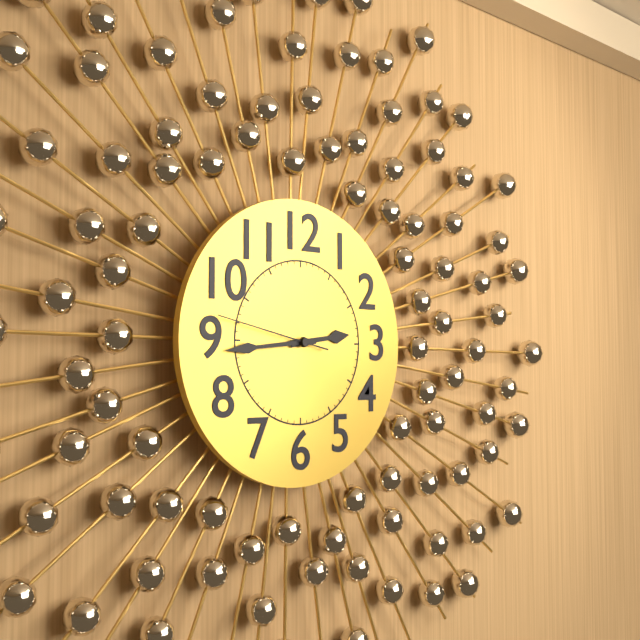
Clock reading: 2h44m47s
